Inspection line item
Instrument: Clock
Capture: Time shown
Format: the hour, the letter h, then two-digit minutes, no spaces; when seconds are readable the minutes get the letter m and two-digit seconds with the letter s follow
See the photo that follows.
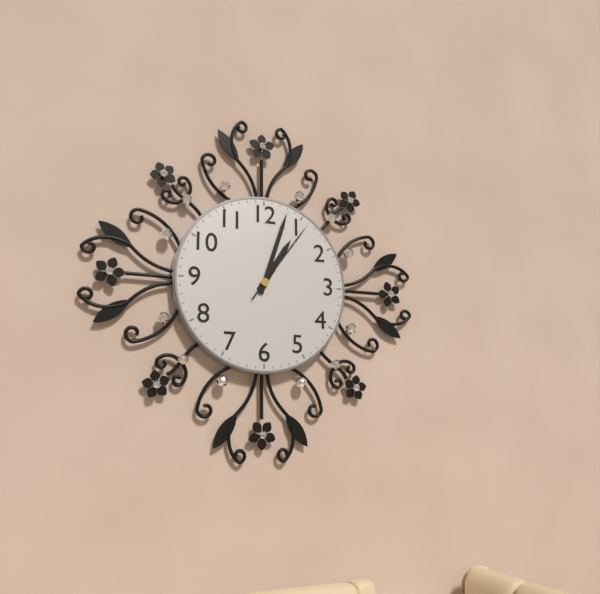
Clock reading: 1h03m06s
